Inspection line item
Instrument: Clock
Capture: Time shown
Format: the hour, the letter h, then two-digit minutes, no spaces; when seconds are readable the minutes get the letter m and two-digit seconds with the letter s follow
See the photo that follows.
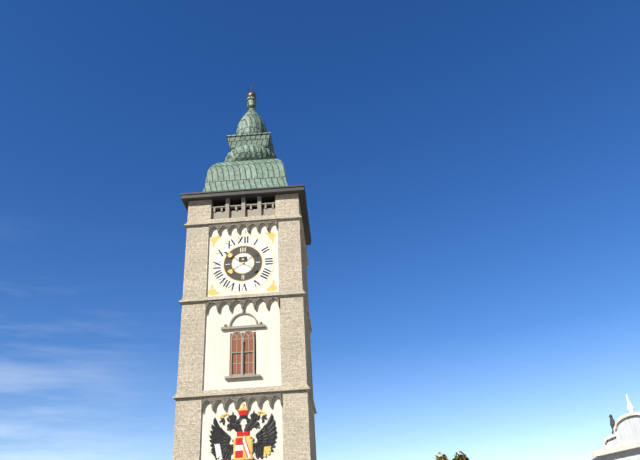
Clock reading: 7h51
